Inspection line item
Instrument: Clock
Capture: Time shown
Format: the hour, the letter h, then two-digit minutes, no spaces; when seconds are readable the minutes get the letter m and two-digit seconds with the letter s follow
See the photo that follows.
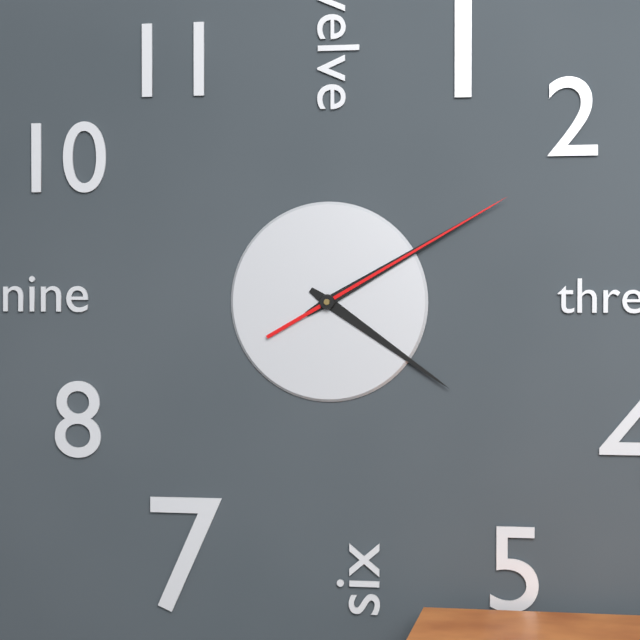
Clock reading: 4h10m10s
